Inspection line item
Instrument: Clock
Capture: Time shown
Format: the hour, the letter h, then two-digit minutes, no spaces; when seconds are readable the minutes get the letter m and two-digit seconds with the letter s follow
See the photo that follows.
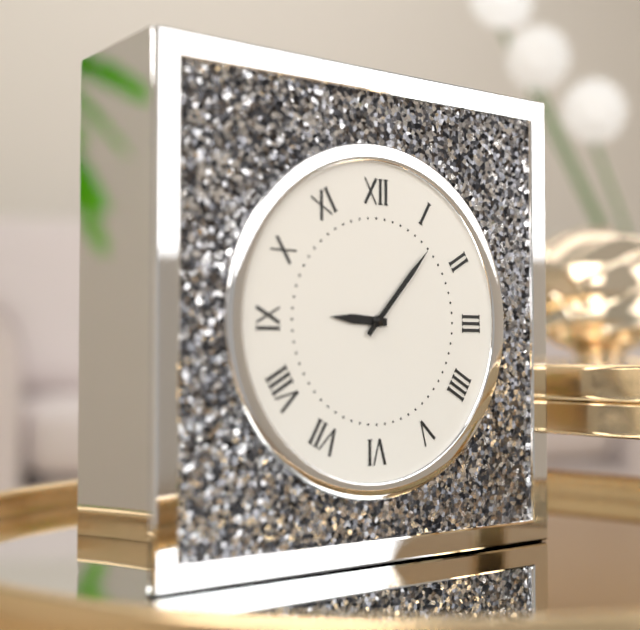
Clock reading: 9h07
